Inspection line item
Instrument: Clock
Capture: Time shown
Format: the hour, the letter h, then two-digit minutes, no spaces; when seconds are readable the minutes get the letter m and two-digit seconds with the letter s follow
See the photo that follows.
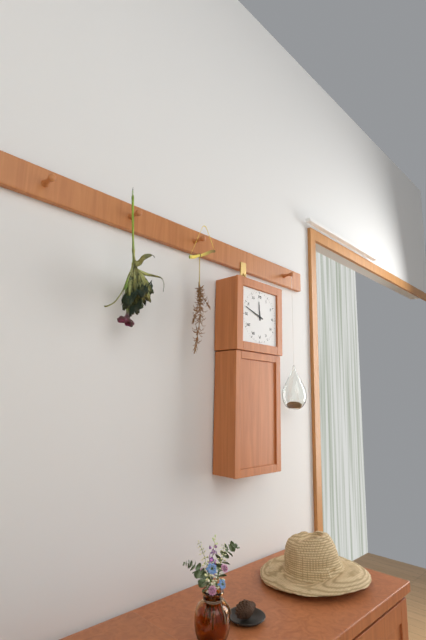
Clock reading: 11h48
